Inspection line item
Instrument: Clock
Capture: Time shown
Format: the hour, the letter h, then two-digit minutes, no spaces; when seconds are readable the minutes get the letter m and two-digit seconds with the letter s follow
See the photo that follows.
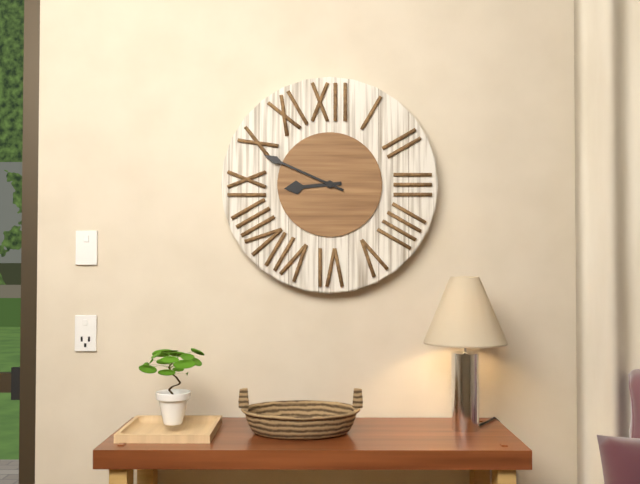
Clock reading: 8h49
